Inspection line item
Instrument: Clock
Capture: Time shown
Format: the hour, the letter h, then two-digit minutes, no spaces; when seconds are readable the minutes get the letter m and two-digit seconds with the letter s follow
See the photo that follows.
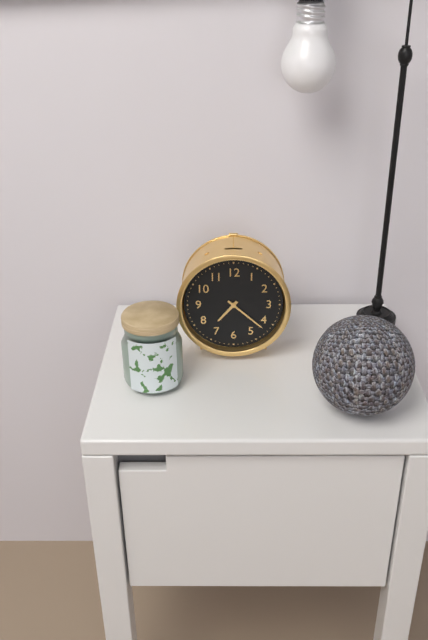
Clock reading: 7h22
